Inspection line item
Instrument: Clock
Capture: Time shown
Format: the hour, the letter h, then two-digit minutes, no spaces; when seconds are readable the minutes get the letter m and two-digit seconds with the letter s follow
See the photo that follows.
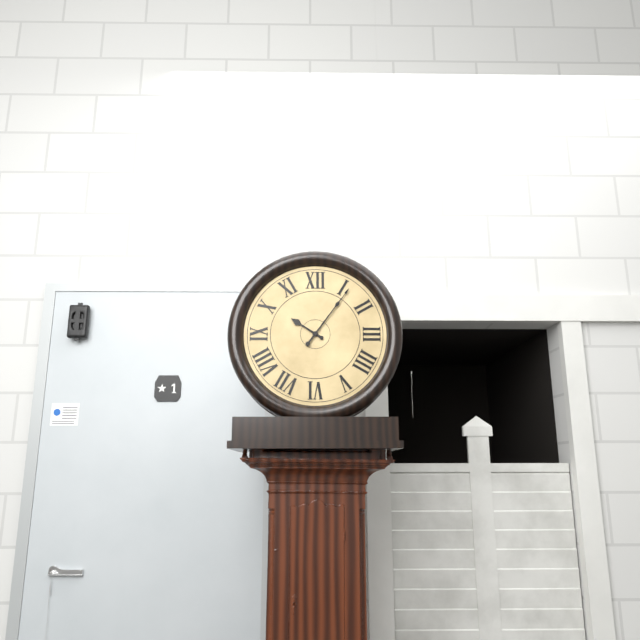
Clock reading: 10h06
